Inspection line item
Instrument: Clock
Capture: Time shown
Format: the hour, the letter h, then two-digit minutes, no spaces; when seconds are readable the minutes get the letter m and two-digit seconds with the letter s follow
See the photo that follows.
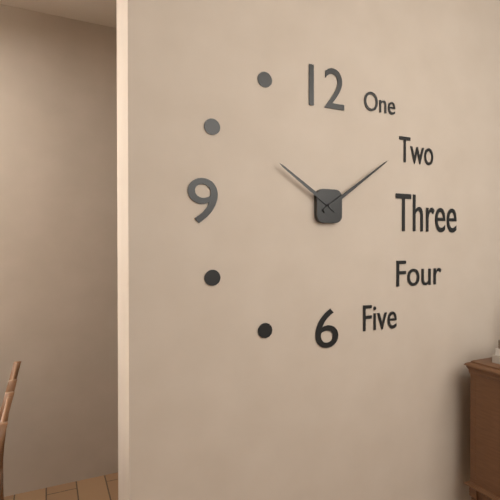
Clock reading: 10h09
